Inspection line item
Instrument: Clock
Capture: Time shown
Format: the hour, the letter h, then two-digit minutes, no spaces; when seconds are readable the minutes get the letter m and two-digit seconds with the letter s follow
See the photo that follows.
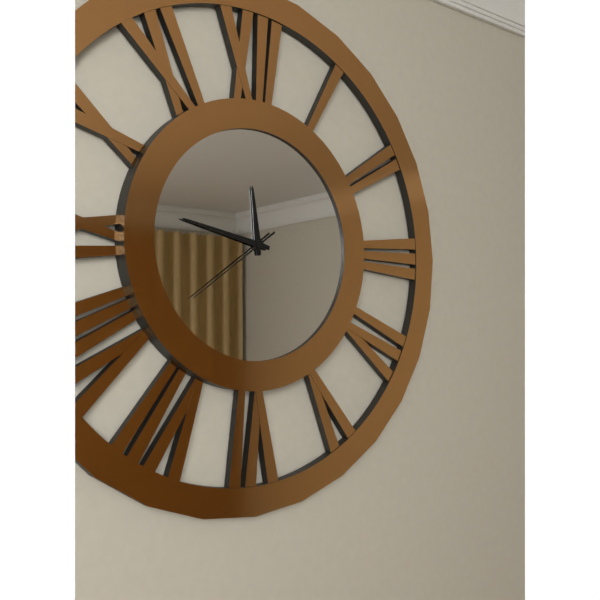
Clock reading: 11h47m39s
